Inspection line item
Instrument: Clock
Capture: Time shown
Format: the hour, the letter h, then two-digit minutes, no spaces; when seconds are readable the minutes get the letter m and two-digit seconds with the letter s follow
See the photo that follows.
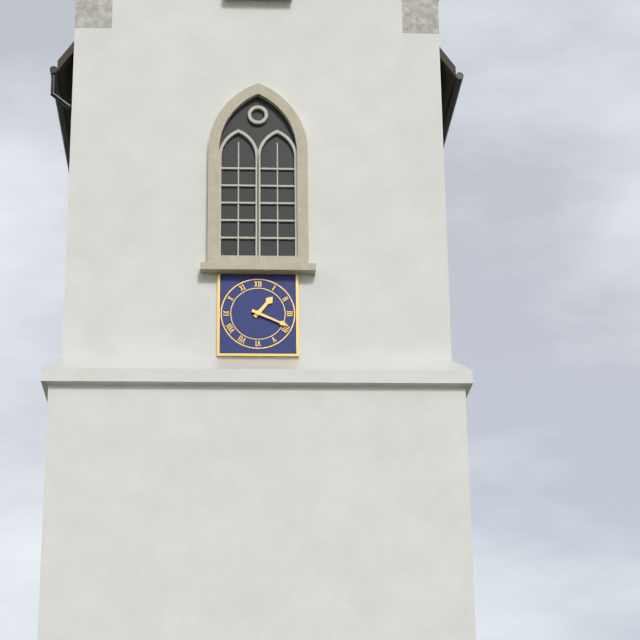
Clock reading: 1h19
